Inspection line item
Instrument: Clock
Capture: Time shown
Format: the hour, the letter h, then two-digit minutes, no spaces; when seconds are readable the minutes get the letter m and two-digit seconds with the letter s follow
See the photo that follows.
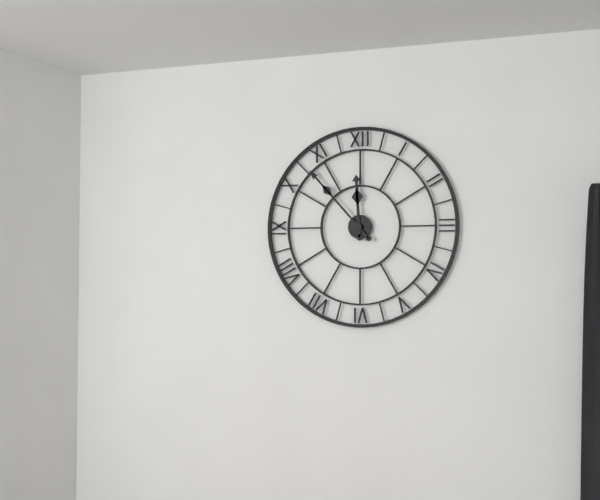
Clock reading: 11h53
